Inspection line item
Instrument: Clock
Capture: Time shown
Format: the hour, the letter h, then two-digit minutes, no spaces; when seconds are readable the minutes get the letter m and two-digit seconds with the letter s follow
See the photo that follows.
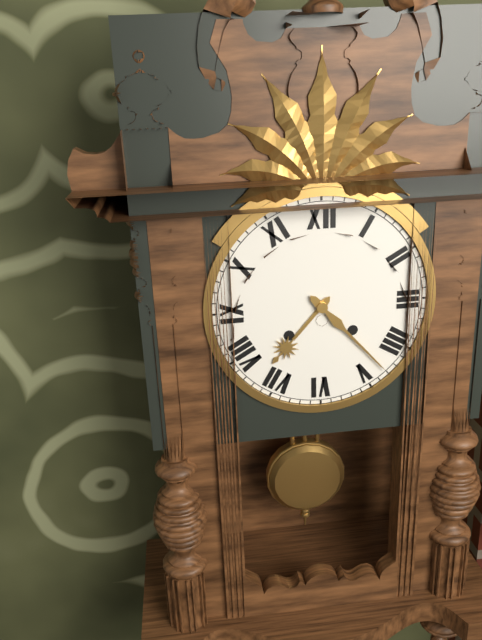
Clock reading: 7h23
